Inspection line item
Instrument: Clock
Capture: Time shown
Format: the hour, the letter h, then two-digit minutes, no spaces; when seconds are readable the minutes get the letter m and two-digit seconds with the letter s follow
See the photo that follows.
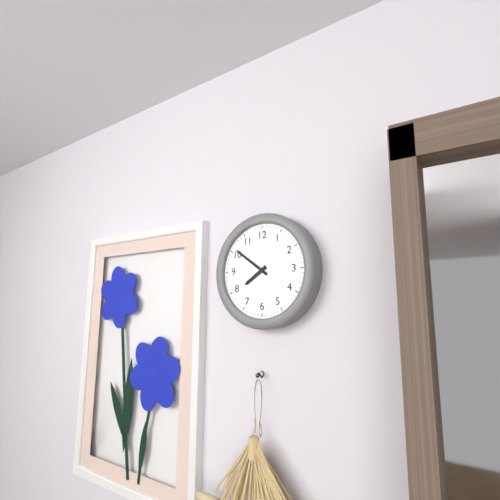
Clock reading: 7h51
